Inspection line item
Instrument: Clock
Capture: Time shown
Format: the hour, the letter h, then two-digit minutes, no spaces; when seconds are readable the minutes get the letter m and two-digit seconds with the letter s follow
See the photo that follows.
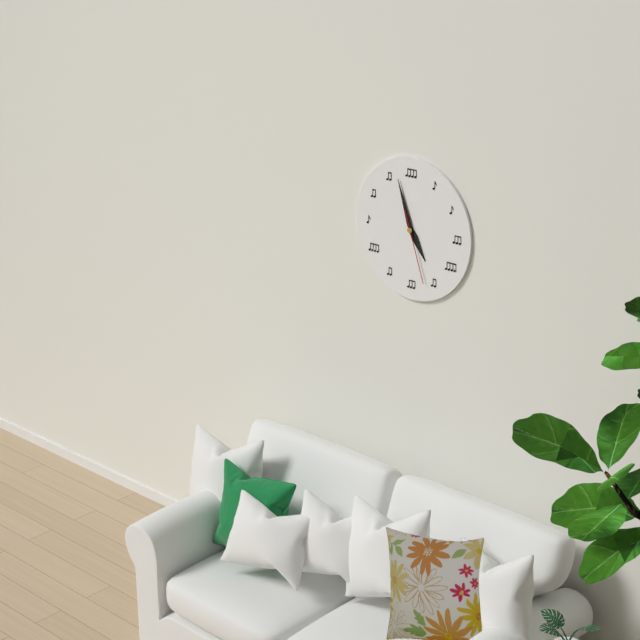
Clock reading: 4h57m27s
